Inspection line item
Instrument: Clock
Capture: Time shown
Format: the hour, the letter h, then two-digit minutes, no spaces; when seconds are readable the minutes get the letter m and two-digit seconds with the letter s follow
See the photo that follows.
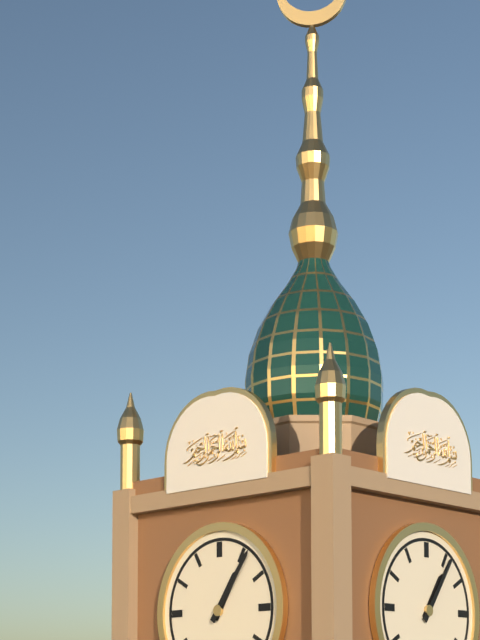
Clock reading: 1h06
